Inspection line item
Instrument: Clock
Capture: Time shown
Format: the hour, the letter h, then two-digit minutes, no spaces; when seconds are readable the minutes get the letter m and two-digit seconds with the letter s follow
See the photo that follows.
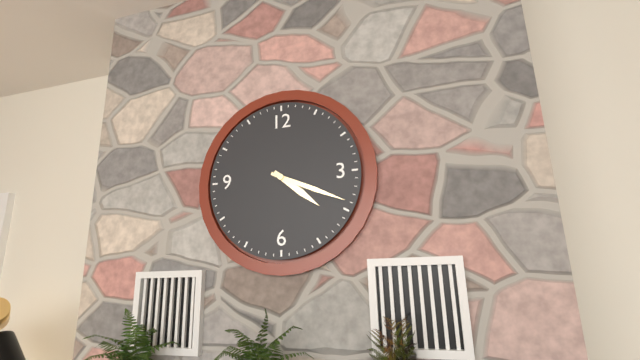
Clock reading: 4h19
